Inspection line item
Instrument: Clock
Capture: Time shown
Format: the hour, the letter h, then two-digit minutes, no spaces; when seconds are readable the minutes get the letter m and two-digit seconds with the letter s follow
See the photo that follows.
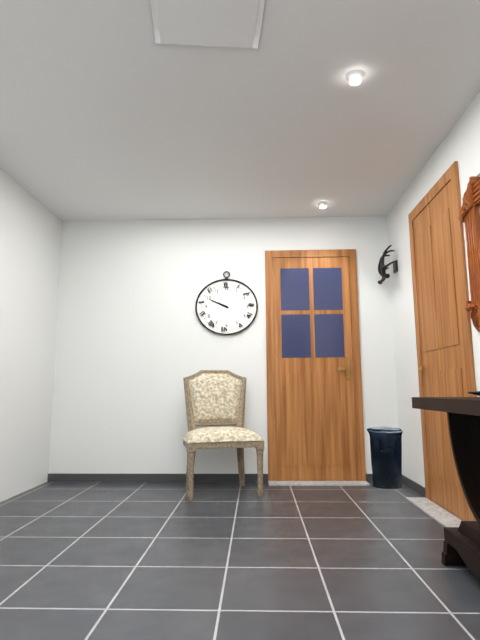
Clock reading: 9h49
